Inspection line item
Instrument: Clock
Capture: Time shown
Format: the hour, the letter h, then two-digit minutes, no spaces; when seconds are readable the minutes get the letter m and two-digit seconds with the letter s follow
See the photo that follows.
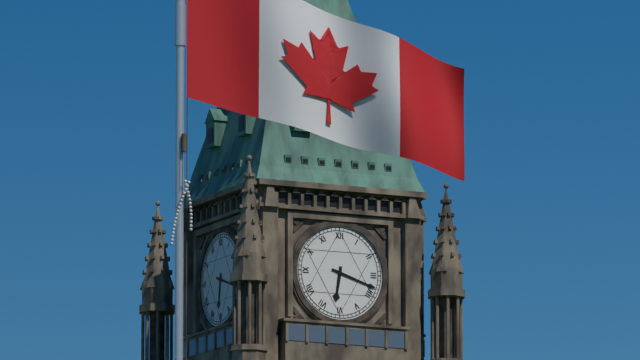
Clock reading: 6h18
